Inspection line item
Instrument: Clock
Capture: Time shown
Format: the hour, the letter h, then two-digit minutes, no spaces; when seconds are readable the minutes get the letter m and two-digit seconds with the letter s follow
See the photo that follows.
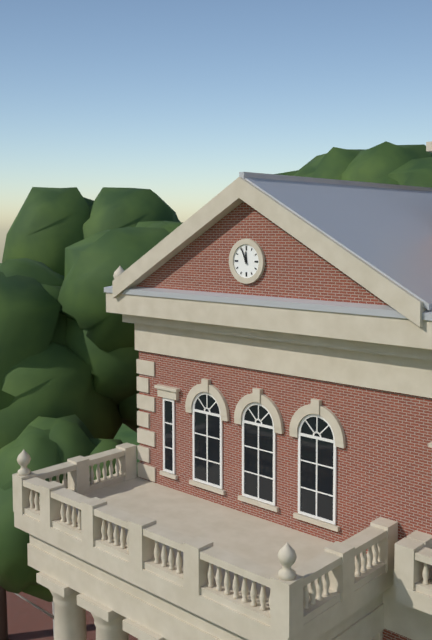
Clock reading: 11h56
